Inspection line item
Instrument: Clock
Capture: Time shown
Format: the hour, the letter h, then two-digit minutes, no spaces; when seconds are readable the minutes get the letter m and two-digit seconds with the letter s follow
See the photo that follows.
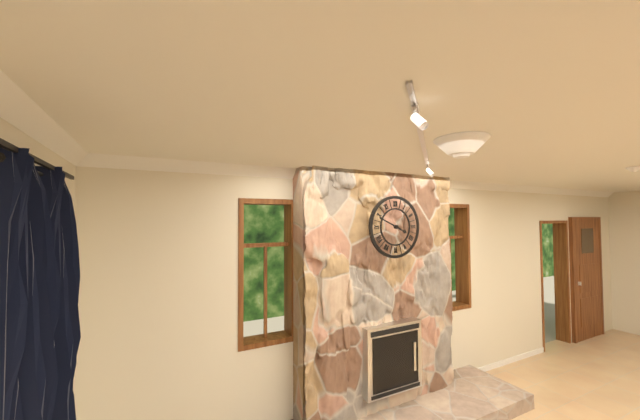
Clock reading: 3h49
